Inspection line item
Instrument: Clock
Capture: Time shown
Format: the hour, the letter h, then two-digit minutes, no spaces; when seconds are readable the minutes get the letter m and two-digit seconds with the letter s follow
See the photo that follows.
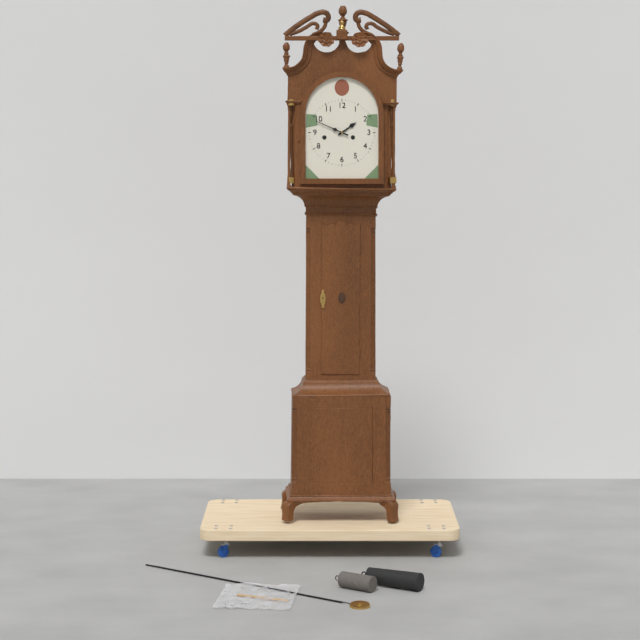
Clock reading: 1h49
